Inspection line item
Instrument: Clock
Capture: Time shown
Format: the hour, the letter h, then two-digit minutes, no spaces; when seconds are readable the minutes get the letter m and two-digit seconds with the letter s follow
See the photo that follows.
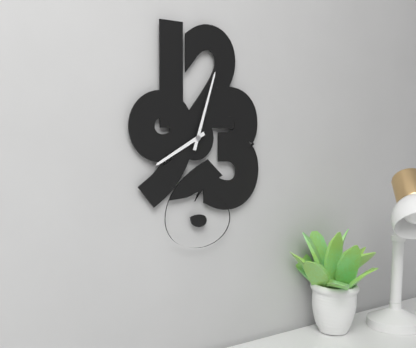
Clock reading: 8h03
